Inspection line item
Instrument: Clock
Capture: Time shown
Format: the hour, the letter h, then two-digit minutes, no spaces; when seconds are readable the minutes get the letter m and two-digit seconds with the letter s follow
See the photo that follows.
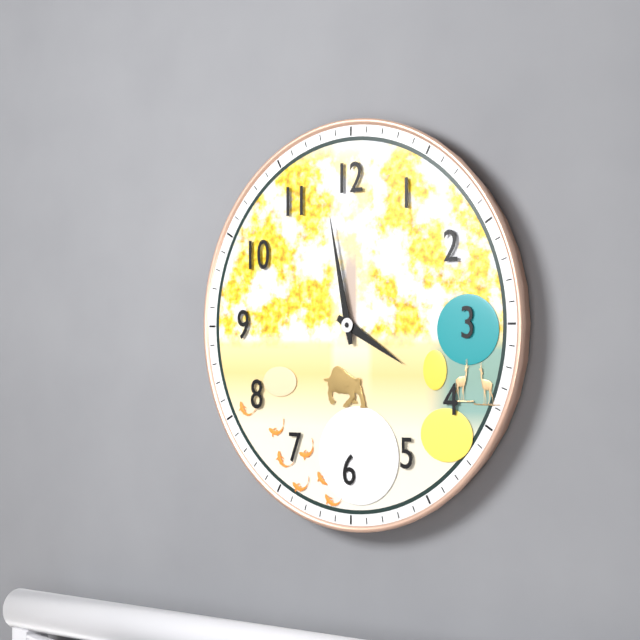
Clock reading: 3h58
